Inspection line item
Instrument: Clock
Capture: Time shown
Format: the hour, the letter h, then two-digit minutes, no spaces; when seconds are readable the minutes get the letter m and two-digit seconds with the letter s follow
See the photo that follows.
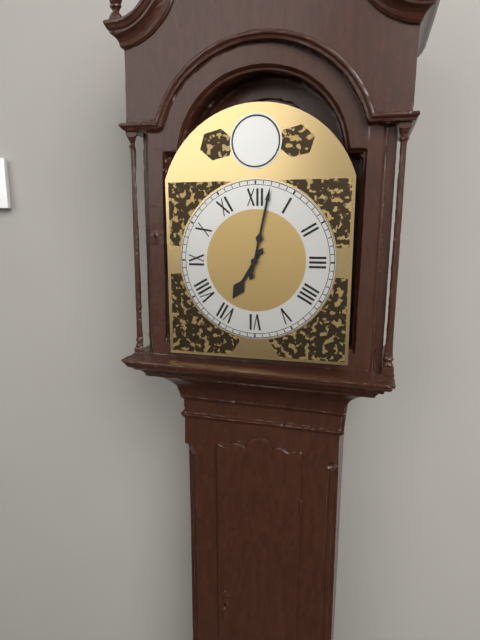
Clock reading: 7h02
